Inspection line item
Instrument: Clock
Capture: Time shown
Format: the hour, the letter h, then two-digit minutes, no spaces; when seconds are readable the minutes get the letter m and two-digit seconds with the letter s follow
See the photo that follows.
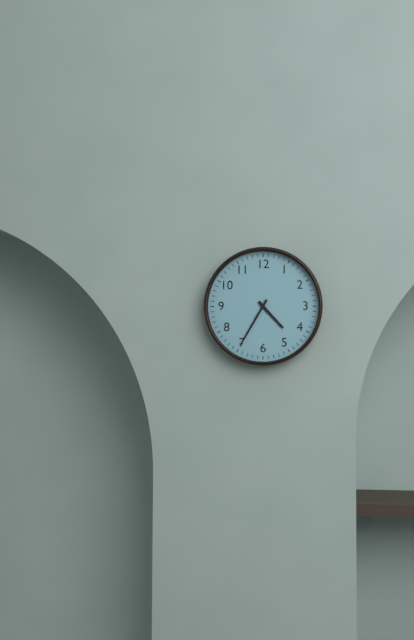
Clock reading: 4h35
